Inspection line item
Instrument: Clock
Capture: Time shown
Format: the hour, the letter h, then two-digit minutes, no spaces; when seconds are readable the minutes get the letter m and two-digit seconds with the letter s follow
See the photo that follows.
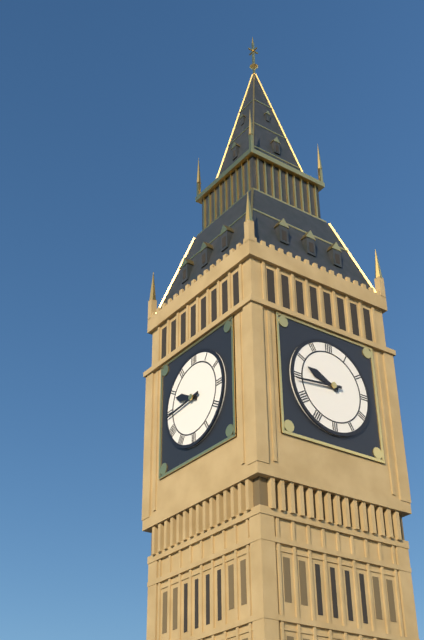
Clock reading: 9h44
